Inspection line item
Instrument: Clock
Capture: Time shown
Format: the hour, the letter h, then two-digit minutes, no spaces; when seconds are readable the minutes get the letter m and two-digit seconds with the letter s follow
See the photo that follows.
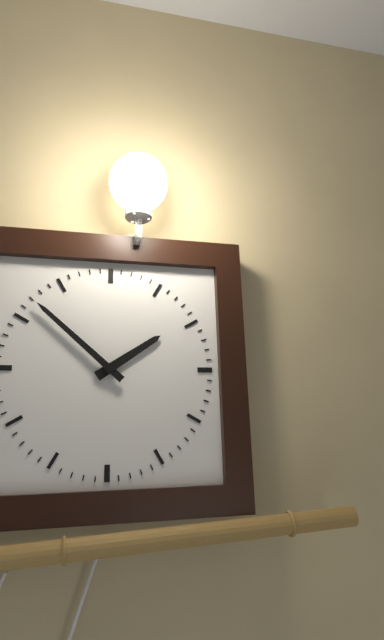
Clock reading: 1h52
